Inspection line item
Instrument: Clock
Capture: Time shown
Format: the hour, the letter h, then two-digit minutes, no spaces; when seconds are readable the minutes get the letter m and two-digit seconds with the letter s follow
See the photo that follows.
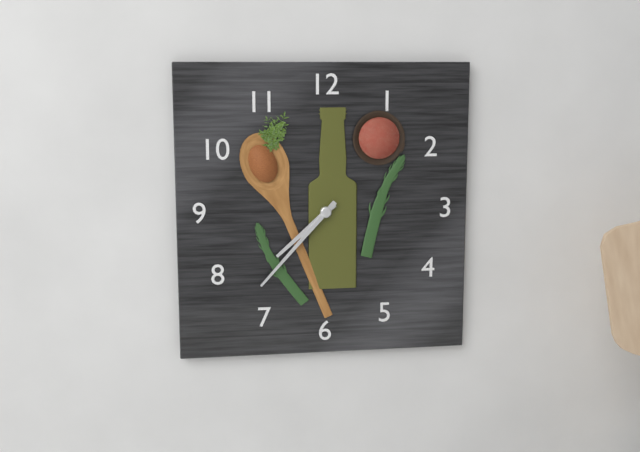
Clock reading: 7h37
